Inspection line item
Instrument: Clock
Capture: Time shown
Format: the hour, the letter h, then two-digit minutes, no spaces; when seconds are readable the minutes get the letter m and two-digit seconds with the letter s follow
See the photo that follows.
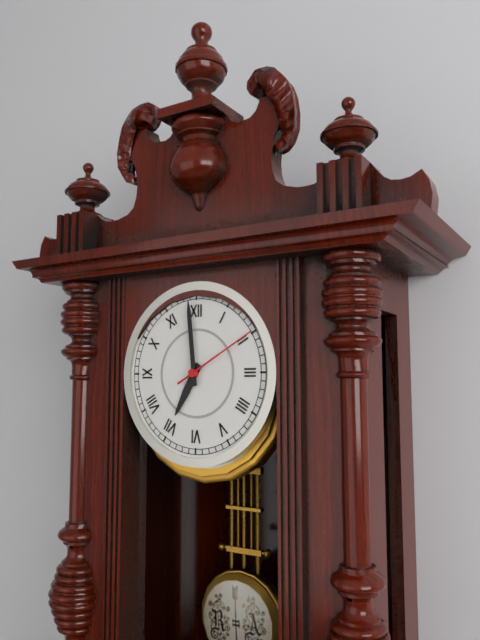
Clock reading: 6h59m10s
